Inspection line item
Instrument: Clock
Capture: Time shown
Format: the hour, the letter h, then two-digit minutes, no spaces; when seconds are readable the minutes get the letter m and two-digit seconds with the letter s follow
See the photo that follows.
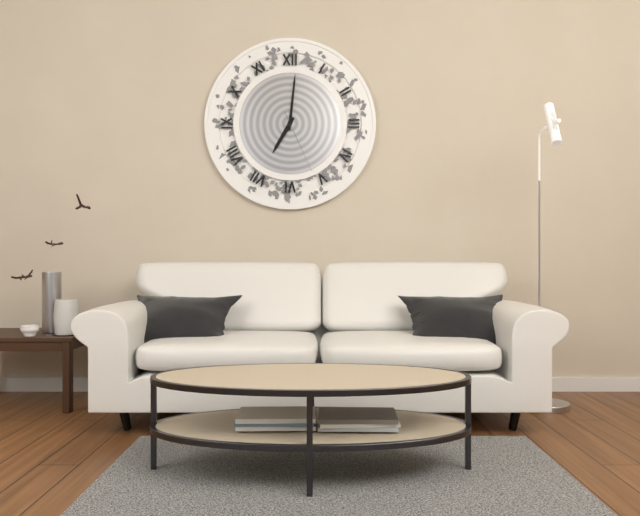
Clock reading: 7h01m26s
